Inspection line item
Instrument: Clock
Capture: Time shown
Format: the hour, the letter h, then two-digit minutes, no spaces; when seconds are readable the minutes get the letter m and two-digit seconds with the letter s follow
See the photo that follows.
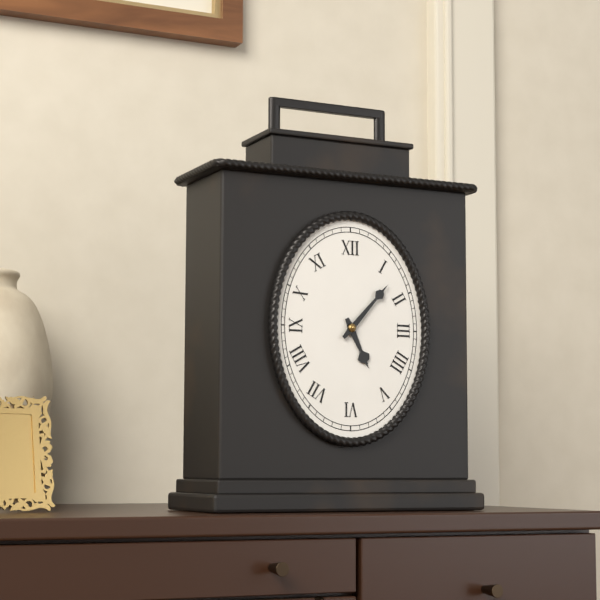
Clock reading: 5h07
